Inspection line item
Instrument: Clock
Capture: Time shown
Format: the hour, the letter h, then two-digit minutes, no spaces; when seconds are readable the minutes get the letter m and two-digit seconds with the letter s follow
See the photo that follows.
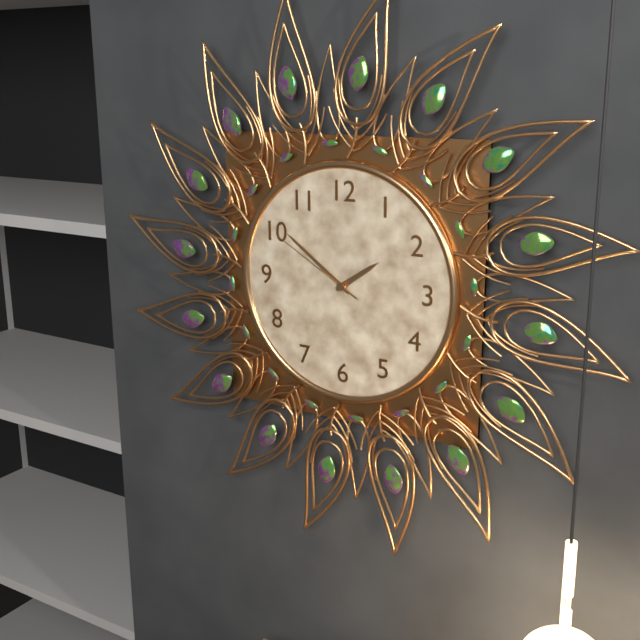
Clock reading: 1h51m50s
